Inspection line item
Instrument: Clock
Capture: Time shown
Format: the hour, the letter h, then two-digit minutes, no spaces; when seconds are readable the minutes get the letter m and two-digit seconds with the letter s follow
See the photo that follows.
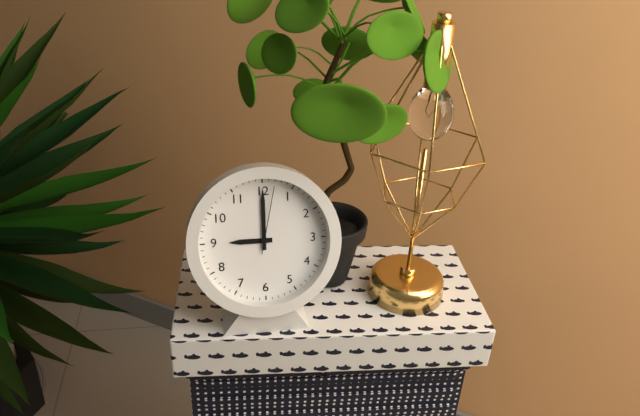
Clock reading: 9h00m02s
